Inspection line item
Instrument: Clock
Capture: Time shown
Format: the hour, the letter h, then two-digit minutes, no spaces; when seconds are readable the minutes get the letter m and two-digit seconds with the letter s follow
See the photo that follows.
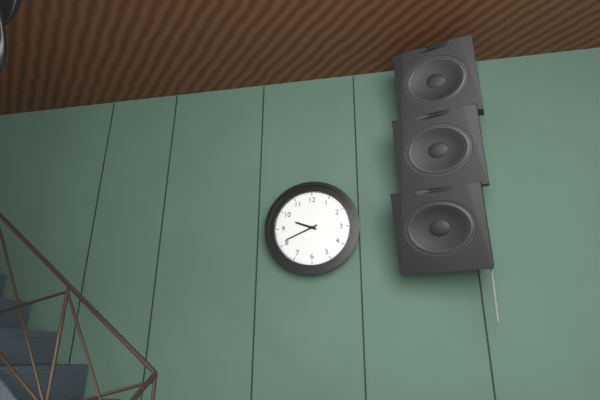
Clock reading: 9h41
